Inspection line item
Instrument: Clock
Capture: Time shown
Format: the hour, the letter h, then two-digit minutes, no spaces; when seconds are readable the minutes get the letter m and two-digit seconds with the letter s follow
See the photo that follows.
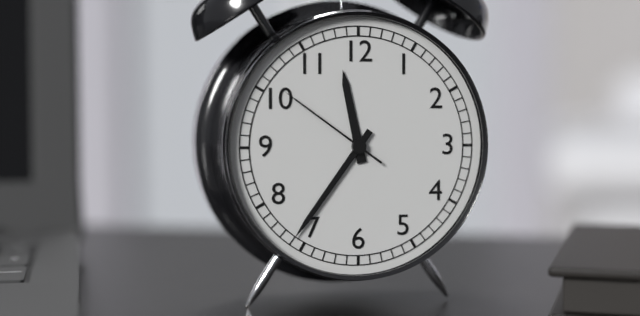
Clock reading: 11h36m51s
